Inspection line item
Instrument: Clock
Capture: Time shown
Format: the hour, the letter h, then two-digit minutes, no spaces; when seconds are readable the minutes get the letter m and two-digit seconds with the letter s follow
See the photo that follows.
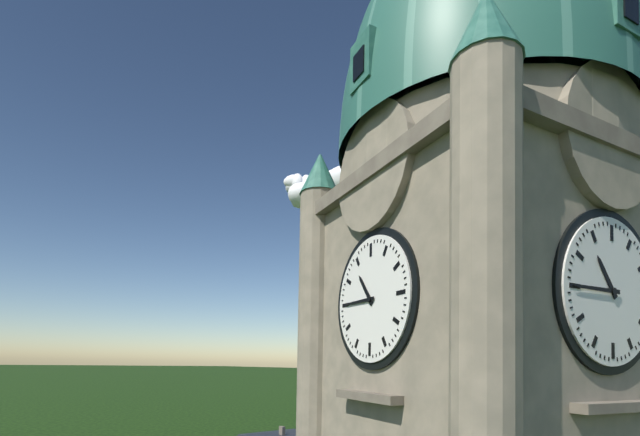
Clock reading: 10h45
